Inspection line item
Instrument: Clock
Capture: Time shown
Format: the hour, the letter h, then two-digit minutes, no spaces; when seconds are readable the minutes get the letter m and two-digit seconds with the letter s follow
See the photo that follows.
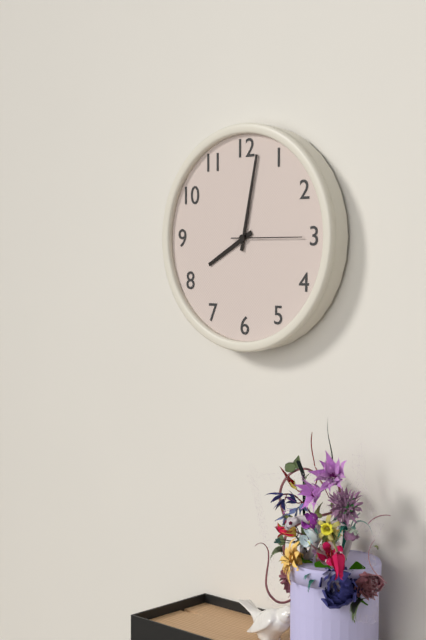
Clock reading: 8h02m15s
